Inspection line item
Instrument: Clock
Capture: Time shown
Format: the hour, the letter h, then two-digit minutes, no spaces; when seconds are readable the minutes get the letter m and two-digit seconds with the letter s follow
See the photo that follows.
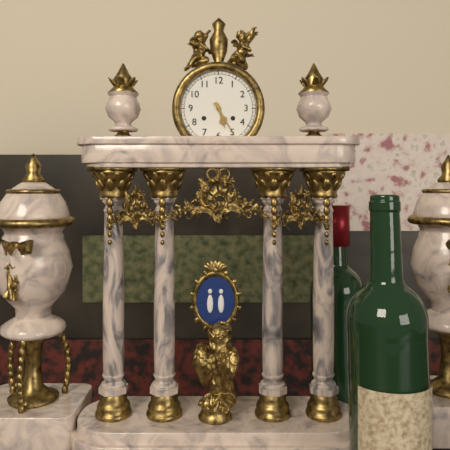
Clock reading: 5h25
